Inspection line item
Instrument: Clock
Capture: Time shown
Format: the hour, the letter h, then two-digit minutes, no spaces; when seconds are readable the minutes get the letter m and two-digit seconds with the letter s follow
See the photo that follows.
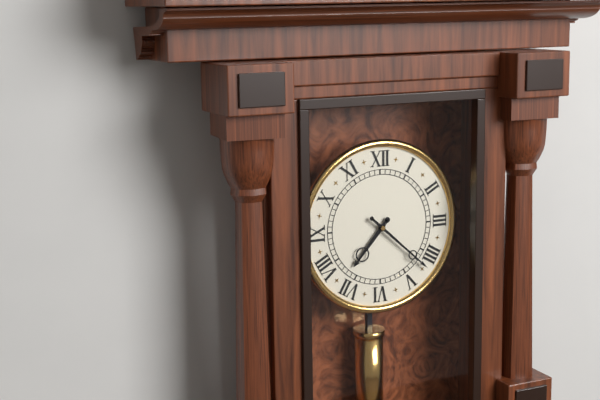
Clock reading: 7h22
